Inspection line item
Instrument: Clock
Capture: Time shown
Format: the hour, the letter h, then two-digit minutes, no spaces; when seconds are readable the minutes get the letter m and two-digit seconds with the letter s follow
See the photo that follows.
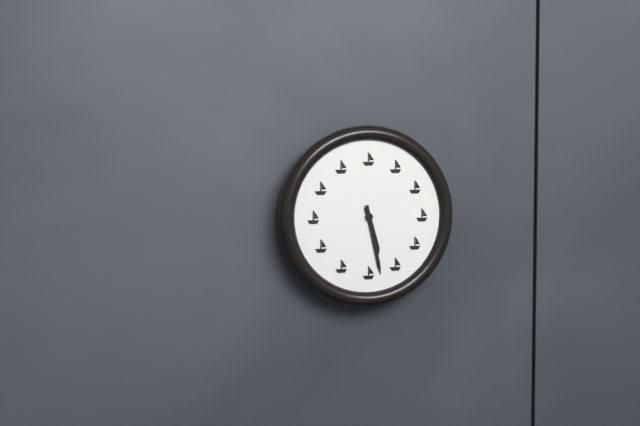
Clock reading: 5h28
